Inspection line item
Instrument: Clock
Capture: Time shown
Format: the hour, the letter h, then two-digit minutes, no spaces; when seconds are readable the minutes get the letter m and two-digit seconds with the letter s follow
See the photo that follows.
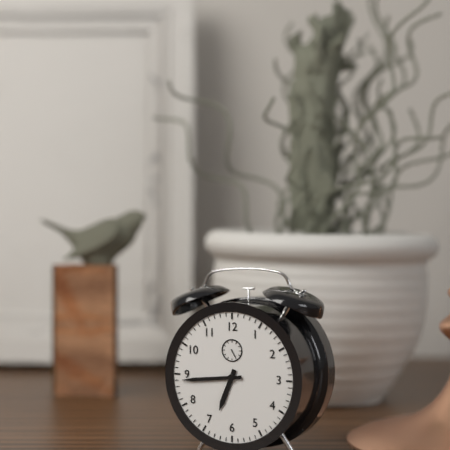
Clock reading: 6h44
